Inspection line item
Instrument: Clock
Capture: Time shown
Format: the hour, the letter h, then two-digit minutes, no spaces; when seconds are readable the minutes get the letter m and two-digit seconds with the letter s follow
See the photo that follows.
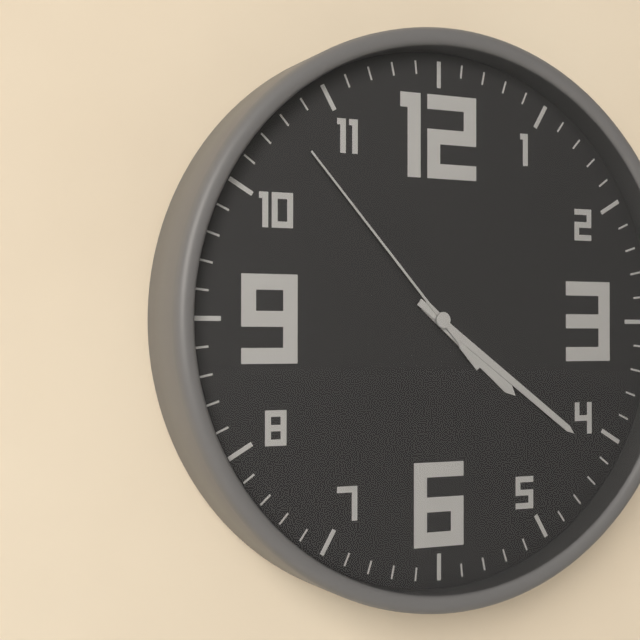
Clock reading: 4h21m53s
